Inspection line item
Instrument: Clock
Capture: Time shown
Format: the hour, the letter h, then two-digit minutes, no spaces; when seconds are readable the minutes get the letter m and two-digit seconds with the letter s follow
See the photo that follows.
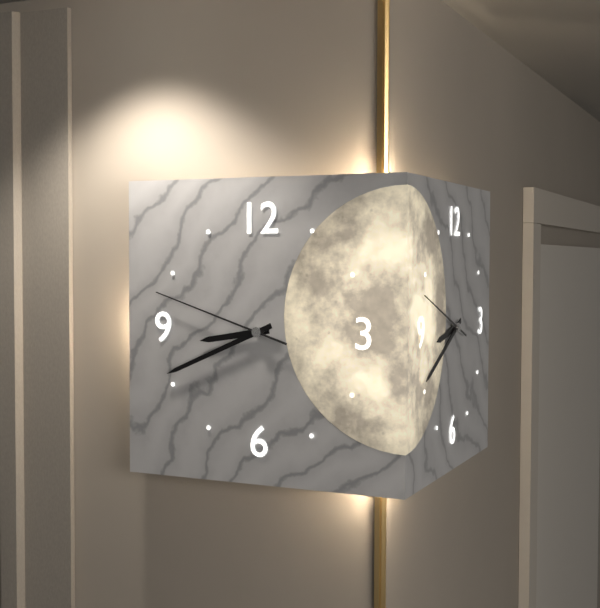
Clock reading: 8h41m48s
